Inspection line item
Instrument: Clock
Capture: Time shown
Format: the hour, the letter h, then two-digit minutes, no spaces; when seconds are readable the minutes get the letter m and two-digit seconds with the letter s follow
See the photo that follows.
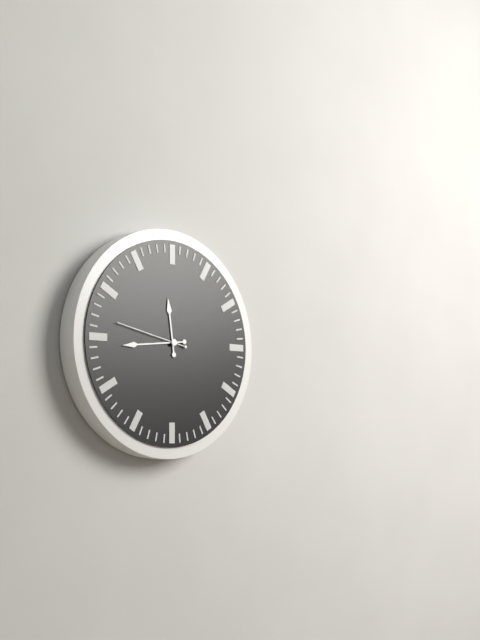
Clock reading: 11h44m47s
